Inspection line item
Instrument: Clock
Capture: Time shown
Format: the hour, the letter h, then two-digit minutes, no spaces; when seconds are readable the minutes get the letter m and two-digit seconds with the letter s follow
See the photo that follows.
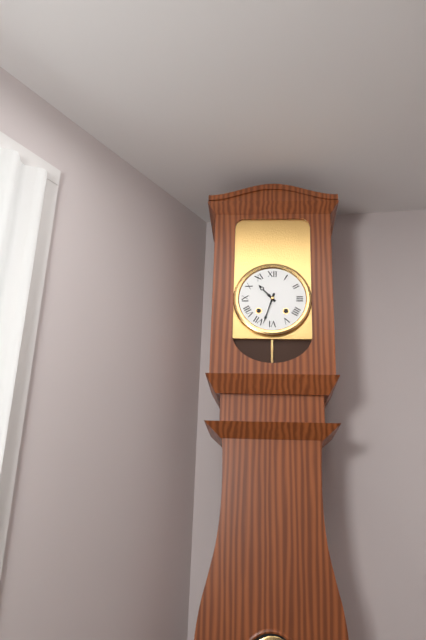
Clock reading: 10h33
